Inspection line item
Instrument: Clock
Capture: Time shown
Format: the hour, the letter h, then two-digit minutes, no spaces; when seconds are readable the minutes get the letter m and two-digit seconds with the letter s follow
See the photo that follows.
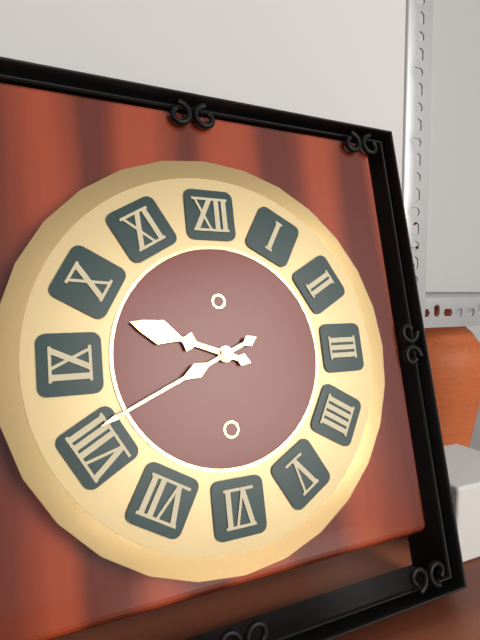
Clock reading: 9h41
